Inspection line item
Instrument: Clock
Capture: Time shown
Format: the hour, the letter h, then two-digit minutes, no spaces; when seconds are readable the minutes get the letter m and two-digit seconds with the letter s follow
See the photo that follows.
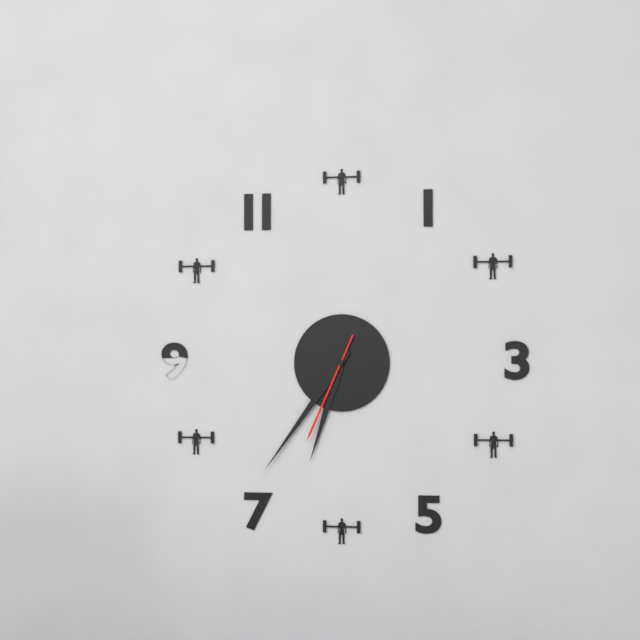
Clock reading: 6h36m34s
